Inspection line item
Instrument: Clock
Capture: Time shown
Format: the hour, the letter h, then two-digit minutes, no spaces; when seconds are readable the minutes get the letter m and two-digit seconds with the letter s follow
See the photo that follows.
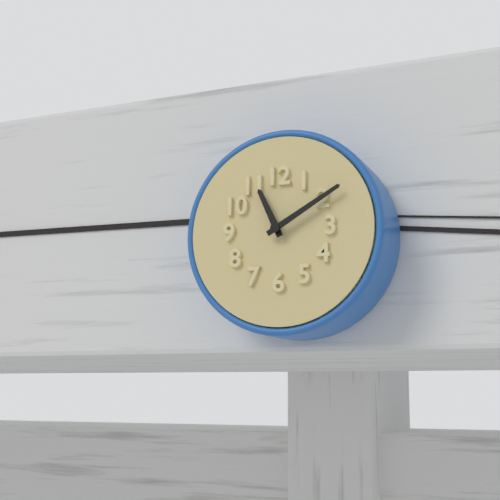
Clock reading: 11h10
